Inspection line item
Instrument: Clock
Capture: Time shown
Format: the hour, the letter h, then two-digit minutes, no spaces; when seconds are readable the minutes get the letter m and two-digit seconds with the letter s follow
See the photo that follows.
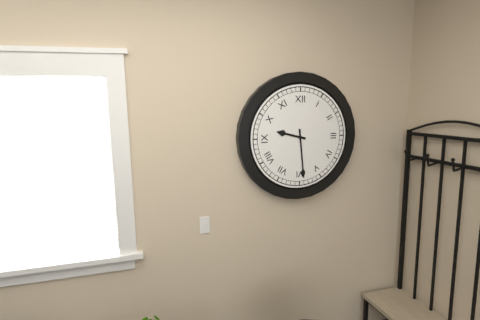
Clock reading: 9h29
